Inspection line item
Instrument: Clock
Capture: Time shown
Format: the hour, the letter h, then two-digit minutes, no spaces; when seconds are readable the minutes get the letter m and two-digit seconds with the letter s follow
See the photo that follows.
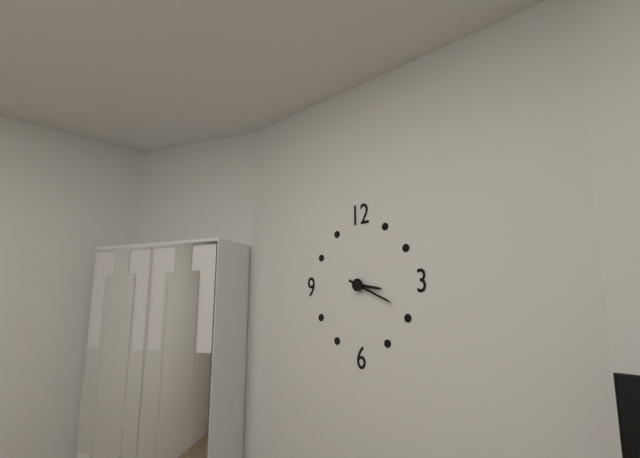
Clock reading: 3h19
